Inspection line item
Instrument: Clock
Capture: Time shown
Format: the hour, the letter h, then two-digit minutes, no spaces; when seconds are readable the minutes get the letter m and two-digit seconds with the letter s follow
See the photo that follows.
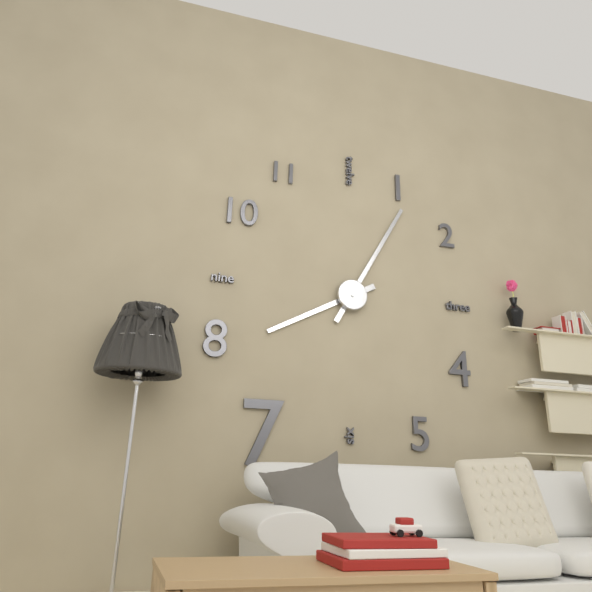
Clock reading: 8h05
